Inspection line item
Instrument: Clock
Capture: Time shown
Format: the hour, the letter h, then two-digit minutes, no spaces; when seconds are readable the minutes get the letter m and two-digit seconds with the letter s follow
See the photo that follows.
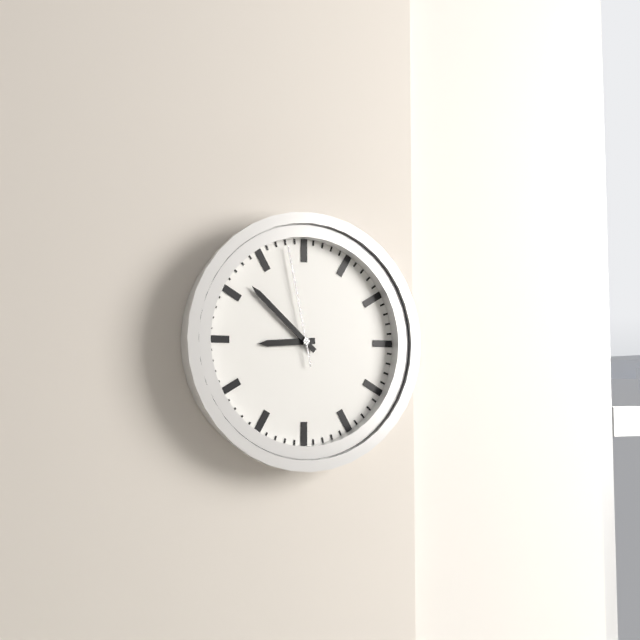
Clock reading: 8h52m58s
